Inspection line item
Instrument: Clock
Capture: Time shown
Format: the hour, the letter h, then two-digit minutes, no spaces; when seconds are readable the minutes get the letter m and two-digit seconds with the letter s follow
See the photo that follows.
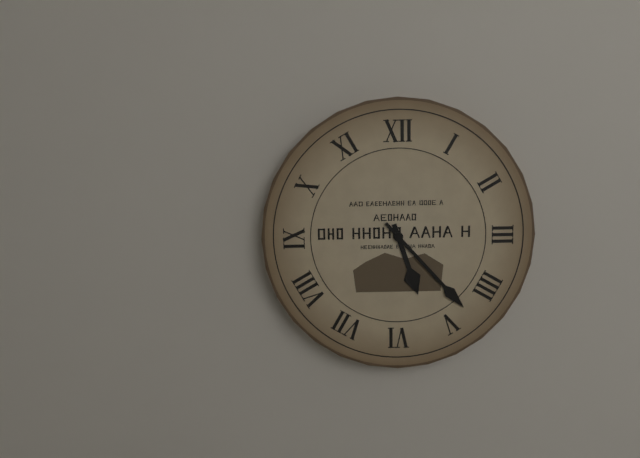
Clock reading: 5h23
